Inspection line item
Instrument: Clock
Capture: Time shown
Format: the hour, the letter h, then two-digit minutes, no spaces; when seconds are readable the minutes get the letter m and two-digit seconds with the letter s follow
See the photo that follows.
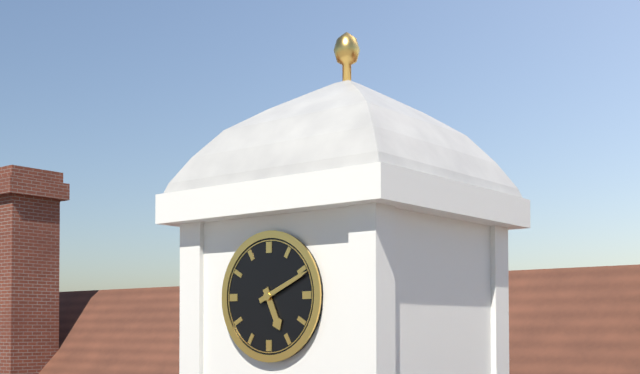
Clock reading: 5h11
